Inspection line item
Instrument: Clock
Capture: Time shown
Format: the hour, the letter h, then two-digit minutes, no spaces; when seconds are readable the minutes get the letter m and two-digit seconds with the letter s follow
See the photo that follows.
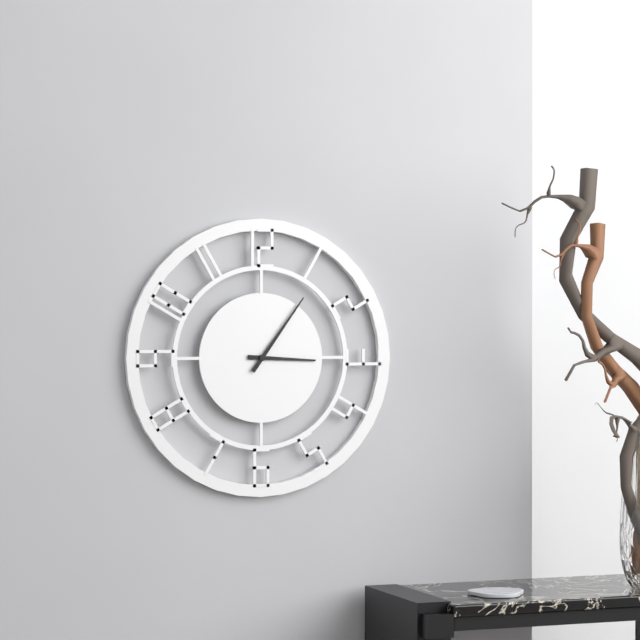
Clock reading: 3h06
